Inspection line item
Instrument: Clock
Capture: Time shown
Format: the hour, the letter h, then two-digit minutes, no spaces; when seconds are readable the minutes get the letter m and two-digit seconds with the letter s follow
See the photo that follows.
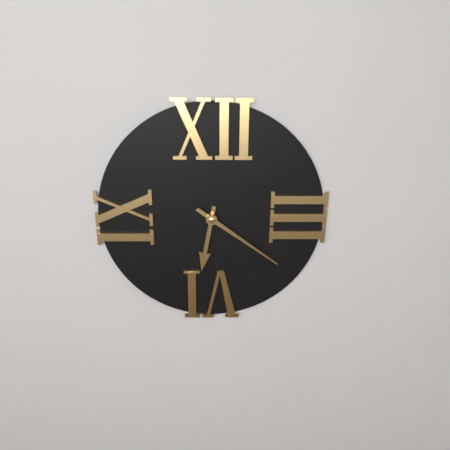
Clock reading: 6h21
